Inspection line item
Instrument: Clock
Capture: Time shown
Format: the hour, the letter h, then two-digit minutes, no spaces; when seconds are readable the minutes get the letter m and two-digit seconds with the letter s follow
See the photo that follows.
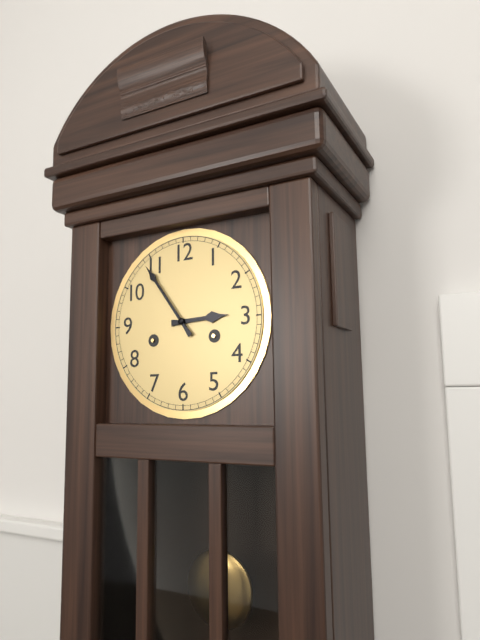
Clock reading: 2h54
